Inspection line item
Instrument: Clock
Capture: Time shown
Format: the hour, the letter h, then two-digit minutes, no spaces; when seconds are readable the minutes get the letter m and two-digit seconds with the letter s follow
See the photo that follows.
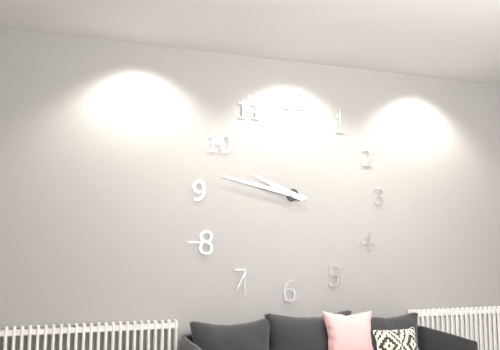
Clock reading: 9h47
